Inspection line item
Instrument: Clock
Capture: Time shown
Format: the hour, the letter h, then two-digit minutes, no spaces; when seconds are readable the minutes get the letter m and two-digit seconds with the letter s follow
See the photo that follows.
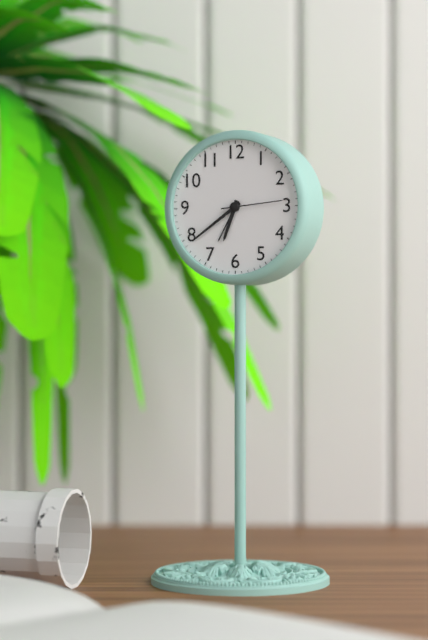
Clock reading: 6h39m14s
